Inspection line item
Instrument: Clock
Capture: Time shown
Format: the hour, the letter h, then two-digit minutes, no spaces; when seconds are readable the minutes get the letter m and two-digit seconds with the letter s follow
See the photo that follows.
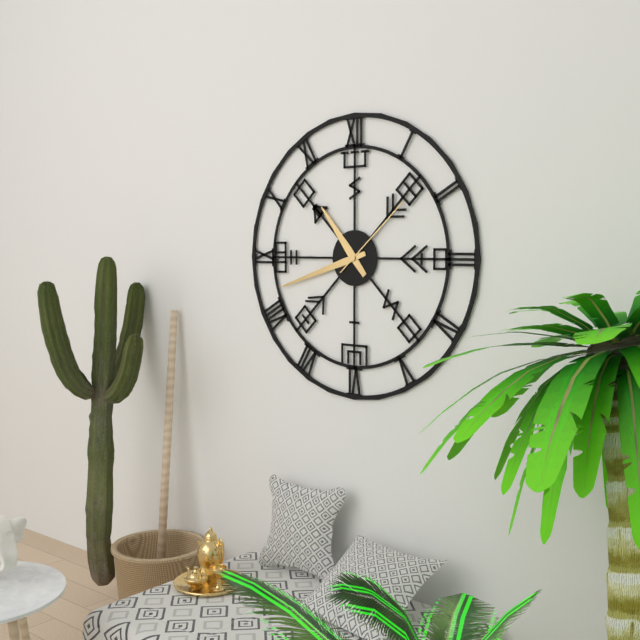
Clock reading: 10h42m08s
